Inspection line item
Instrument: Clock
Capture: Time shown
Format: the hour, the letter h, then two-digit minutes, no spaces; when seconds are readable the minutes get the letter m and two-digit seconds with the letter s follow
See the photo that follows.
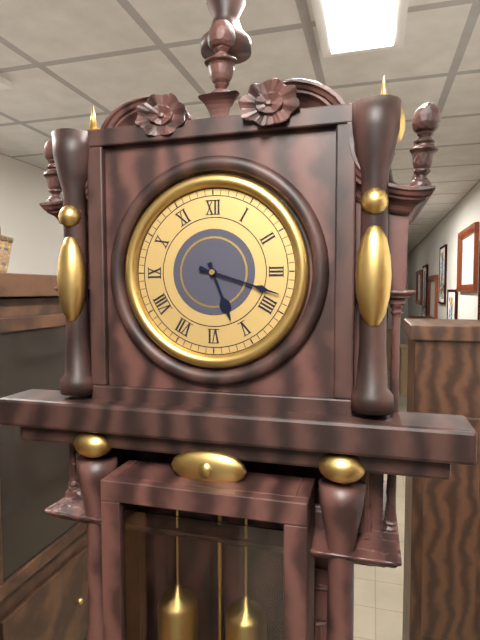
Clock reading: 5h18
